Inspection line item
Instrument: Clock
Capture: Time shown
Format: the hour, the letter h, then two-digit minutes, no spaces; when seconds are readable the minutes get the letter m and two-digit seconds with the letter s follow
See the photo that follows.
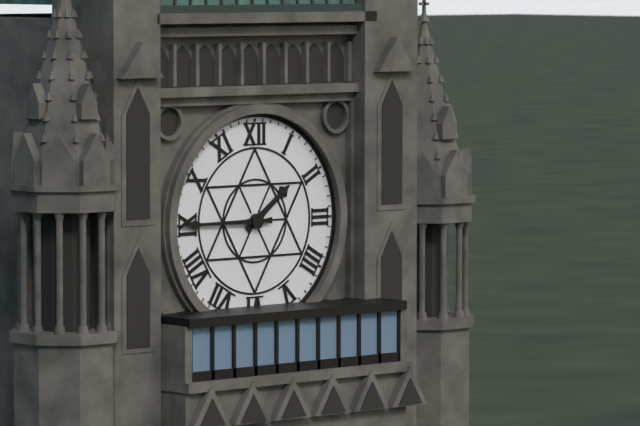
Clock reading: 1h45
